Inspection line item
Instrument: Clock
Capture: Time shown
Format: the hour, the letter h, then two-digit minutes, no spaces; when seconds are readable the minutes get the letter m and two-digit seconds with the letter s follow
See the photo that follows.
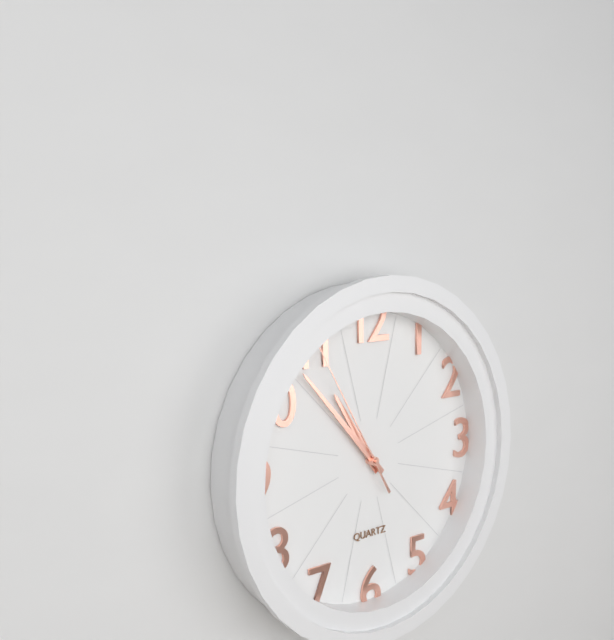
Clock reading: 10h53m55s
